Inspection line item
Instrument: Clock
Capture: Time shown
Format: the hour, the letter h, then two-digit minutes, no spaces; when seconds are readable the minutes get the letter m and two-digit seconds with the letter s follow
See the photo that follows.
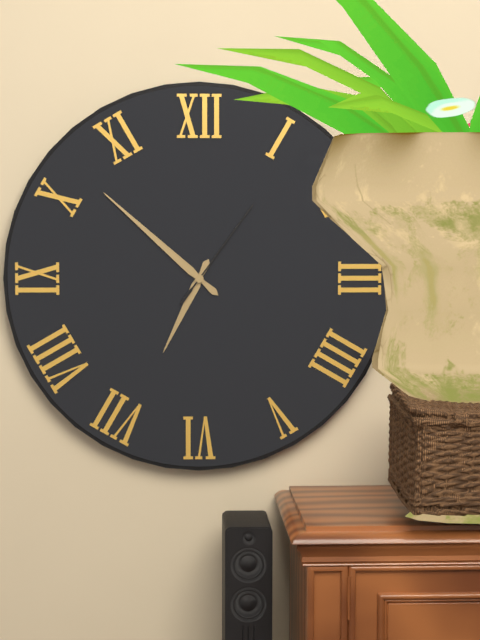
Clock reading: 6h52m06s
